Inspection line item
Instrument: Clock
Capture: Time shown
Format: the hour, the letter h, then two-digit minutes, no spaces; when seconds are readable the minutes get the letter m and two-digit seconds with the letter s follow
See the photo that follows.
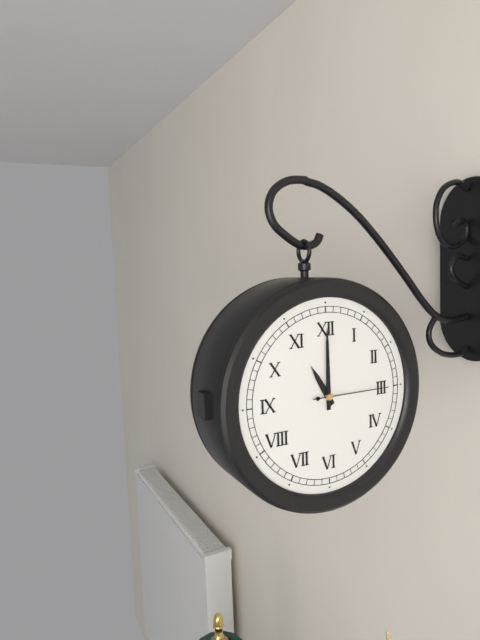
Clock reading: 11h00m15s
